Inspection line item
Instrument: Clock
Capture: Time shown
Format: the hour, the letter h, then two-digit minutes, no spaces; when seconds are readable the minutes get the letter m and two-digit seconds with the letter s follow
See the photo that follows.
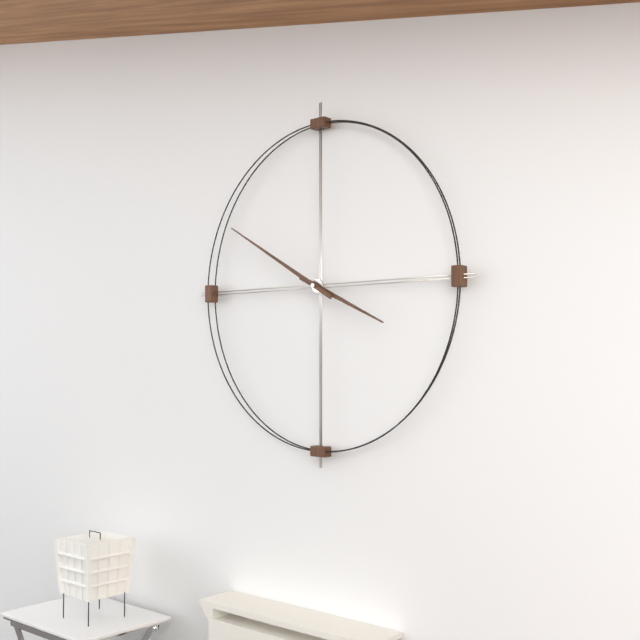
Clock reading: 3h50
